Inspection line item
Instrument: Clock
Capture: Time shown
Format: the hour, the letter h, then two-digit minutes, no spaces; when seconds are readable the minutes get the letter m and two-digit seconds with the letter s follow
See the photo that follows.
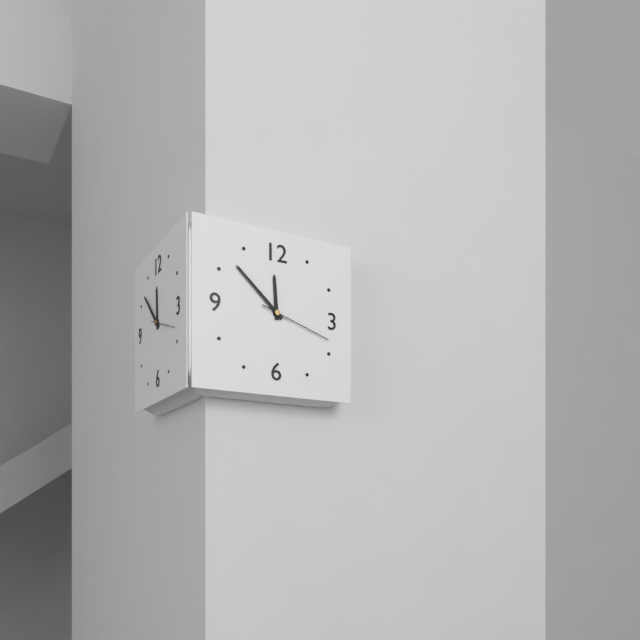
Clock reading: 11h52m18s
